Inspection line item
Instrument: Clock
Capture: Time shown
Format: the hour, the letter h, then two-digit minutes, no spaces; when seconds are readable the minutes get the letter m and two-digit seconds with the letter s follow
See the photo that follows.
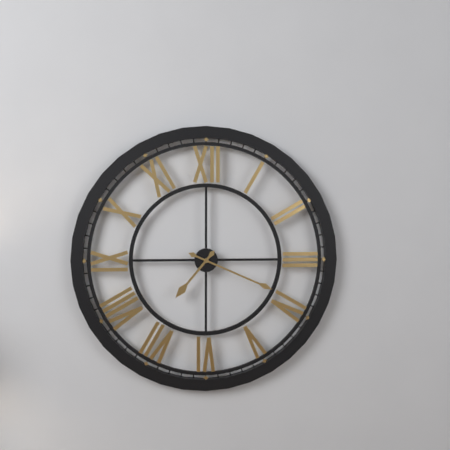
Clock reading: 7h19
